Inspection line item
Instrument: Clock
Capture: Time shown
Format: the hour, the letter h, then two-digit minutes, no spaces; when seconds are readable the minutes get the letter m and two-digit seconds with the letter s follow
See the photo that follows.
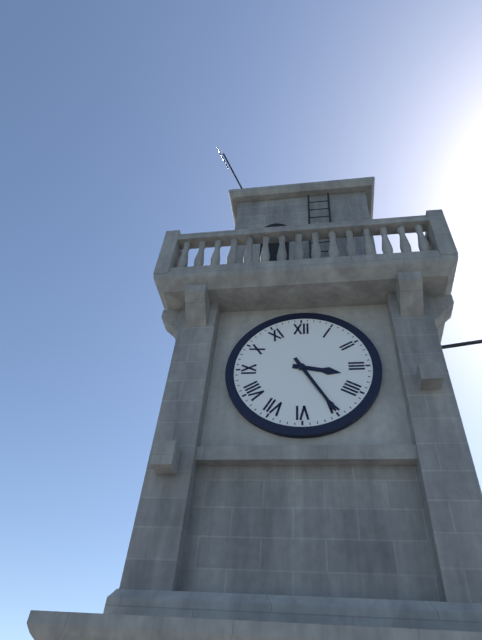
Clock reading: 3h25
